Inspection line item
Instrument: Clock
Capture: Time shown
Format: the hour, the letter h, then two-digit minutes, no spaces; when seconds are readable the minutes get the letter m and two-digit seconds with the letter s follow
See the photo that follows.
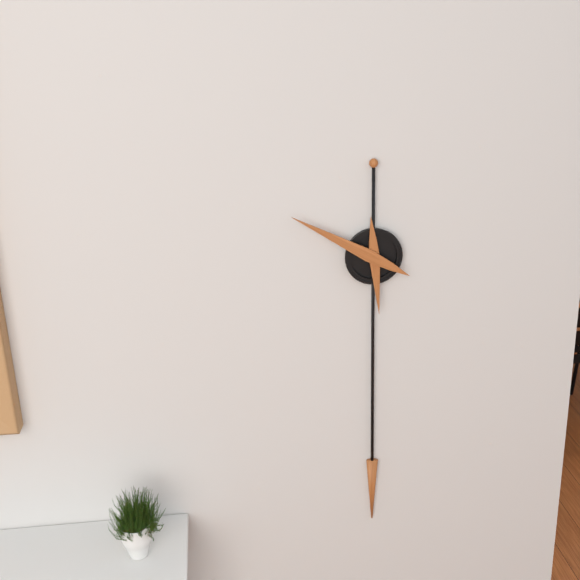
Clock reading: 5h50
